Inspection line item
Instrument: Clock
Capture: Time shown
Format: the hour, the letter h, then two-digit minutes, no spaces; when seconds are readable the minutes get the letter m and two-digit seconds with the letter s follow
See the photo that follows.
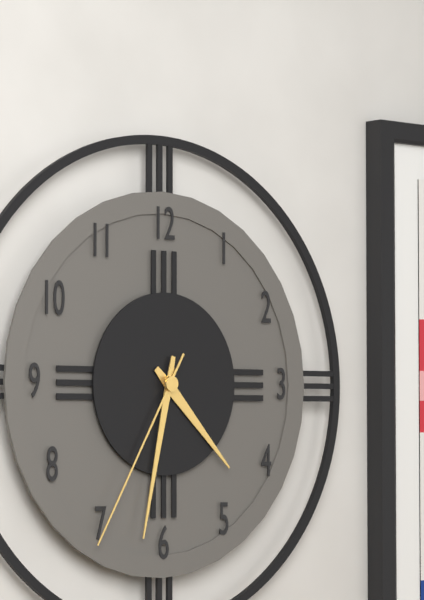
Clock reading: 4h32m35s
